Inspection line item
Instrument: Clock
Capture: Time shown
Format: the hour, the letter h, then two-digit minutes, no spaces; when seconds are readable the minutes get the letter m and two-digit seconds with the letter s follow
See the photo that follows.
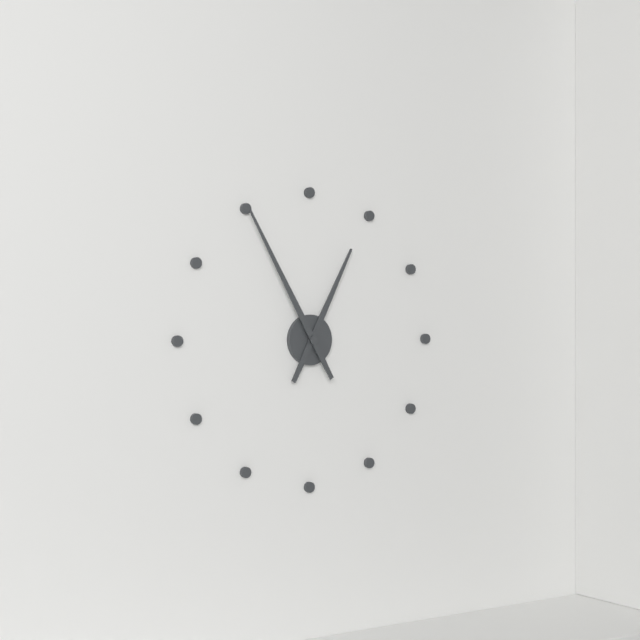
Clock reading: 12h55
